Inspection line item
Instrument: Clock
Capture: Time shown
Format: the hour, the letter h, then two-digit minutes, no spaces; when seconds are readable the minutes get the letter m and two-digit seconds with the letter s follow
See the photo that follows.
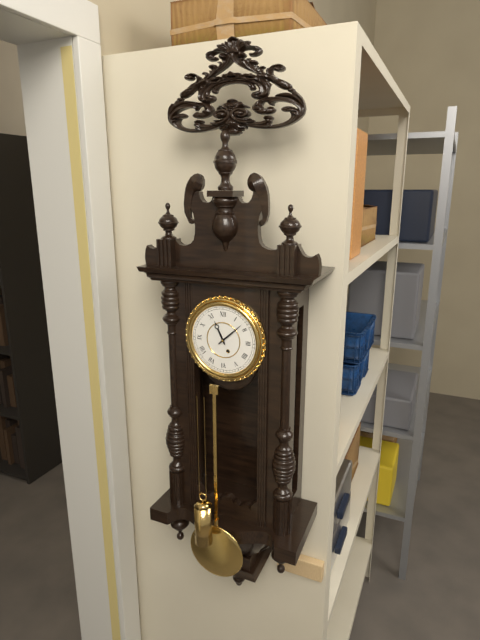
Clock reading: 11h08
